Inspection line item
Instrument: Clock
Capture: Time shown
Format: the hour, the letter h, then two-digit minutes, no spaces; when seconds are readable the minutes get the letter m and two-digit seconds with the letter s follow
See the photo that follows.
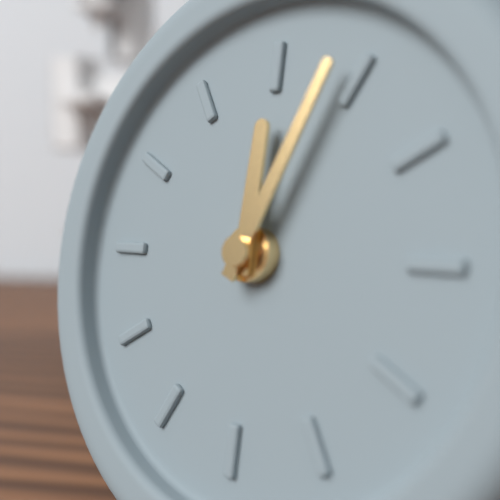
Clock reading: 12h04
